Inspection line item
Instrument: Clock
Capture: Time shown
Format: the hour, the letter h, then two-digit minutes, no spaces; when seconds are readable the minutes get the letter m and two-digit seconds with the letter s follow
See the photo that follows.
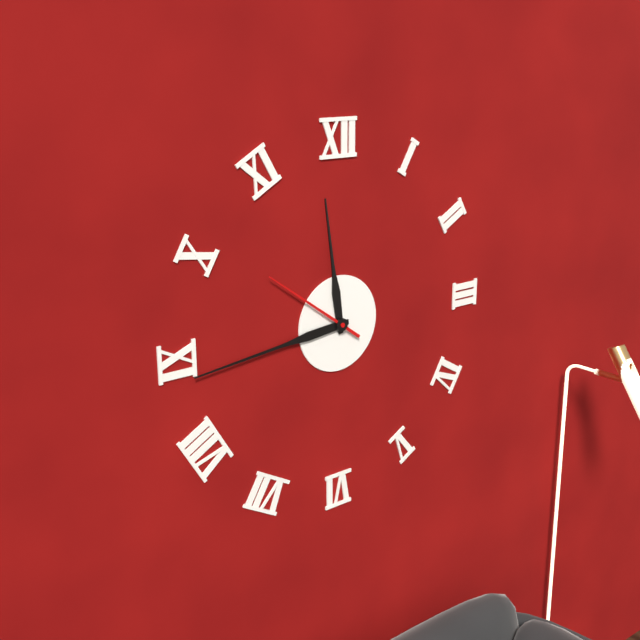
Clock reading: 11h44m51s
